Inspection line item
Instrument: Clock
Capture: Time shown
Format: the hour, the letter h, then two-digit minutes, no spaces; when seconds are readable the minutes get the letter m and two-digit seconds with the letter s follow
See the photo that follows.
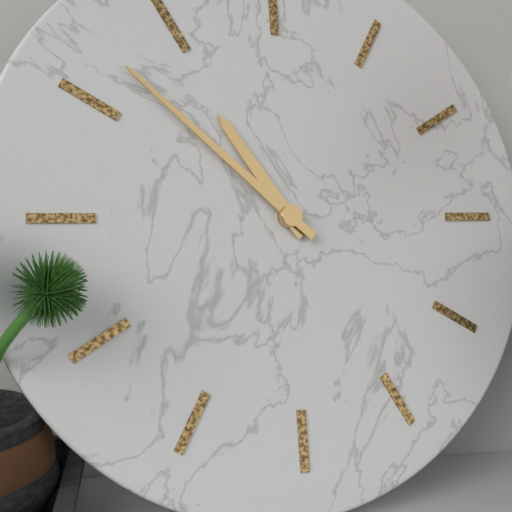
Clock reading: 10h52
